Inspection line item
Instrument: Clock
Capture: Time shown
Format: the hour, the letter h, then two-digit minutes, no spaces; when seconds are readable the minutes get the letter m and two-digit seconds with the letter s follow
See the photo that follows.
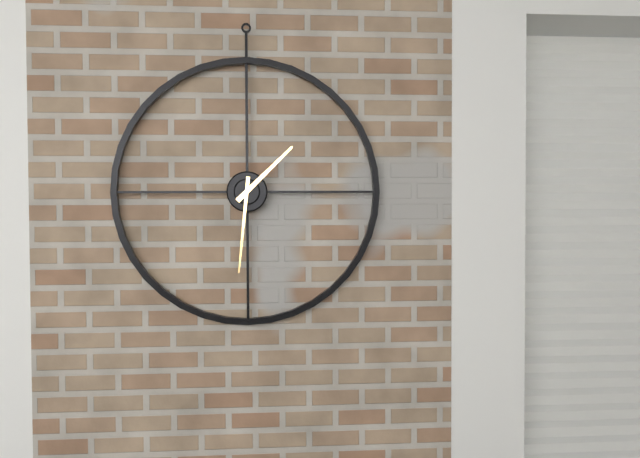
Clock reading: 1h31
